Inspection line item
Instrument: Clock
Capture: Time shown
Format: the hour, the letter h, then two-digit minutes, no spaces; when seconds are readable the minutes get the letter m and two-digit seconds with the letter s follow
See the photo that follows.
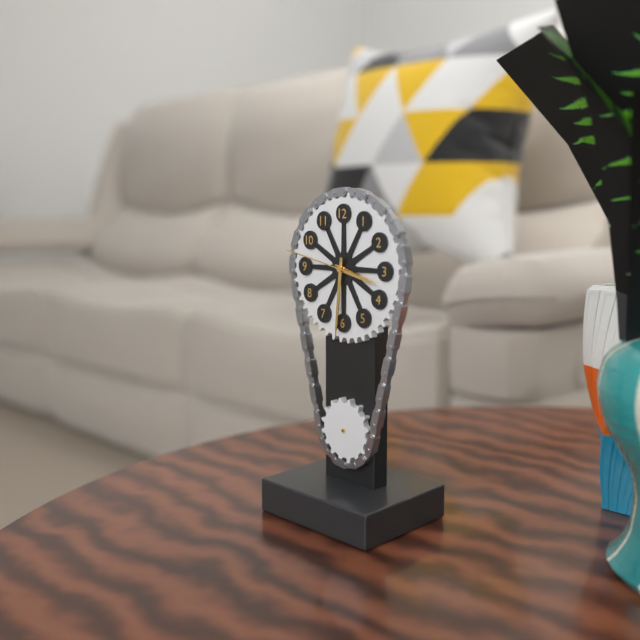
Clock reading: 3h31m47s
